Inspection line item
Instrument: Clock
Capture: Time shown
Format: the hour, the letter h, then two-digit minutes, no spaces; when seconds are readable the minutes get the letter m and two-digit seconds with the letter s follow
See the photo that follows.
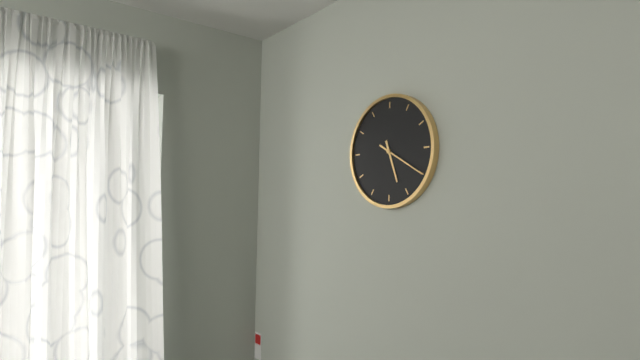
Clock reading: 5h20
